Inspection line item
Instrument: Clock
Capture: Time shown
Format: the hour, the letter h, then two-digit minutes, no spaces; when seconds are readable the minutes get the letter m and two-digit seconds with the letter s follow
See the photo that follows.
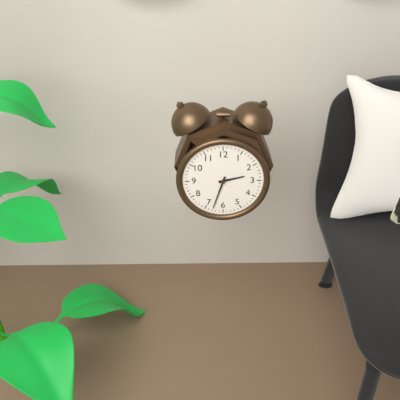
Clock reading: 2h33
